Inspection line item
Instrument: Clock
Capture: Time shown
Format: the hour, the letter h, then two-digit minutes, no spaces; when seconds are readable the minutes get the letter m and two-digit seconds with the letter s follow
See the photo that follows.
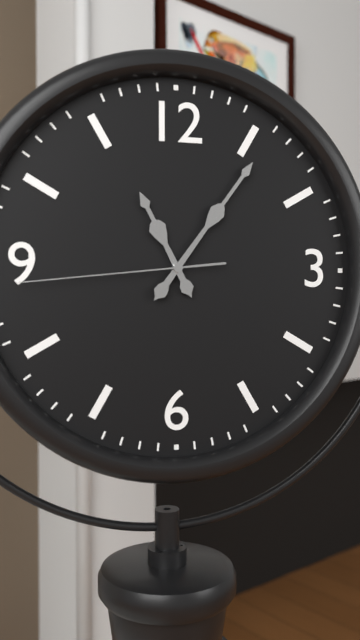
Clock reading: 11h06m44s
